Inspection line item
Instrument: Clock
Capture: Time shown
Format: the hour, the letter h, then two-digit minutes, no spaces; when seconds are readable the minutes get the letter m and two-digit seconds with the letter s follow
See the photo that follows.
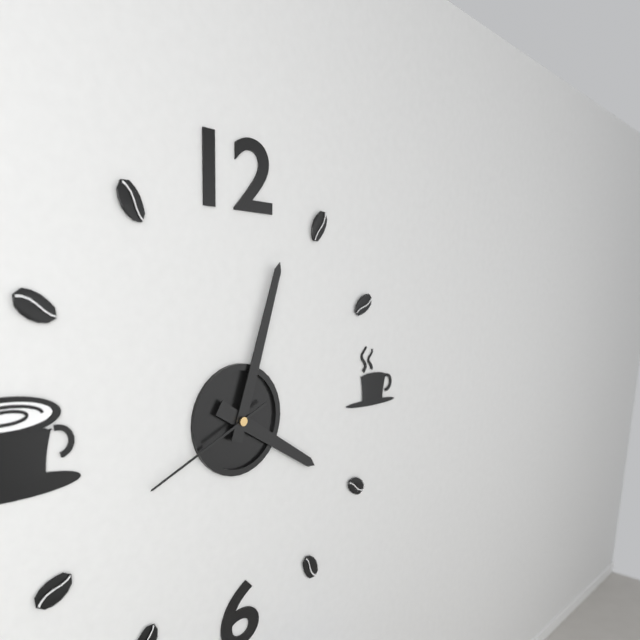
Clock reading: 4h03m41s
